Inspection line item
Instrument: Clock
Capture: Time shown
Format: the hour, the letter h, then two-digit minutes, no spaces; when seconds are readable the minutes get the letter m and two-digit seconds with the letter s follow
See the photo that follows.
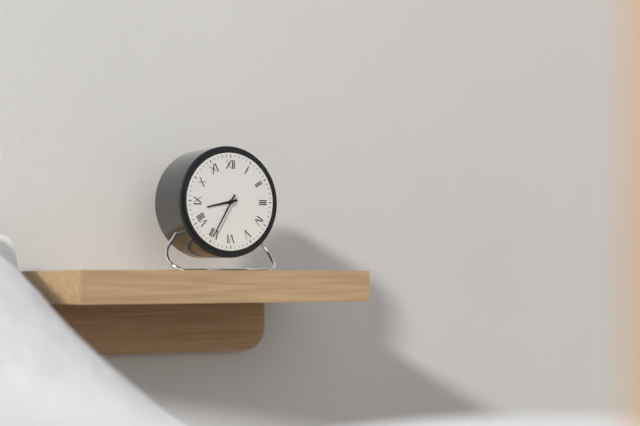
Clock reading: 8h35
